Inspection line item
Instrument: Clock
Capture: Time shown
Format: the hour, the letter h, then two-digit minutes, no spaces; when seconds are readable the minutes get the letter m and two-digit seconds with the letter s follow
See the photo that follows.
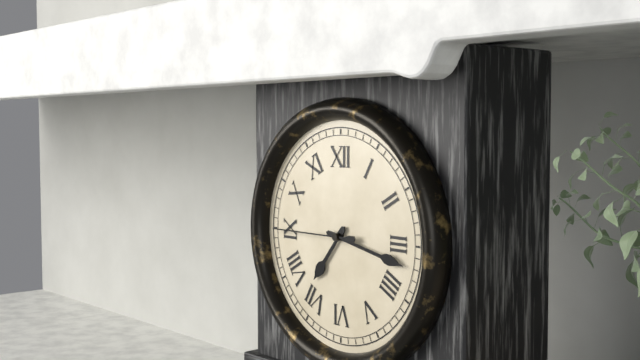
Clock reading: 7h17m45s
